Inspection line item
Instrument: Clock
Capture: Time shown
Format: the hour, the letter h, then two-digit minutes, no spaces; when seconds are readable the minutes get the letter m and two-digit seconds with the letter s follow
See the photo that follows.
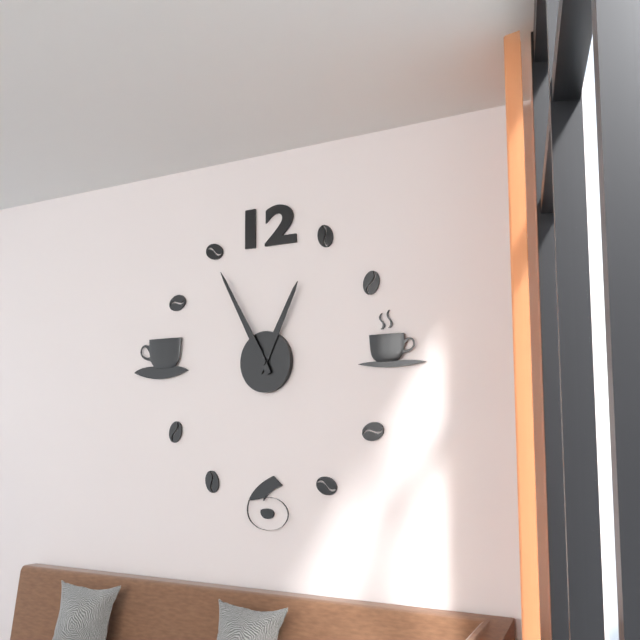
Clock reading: 12h55
